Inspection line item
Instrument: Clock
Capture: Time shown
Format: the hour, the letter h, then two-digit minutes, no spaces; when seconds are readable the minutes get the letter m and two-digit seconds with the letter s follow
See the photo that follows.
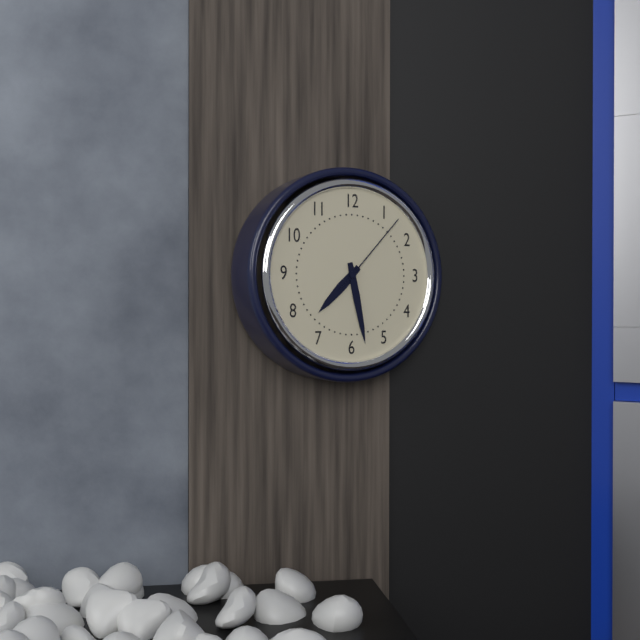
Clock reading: 7h28m07s
